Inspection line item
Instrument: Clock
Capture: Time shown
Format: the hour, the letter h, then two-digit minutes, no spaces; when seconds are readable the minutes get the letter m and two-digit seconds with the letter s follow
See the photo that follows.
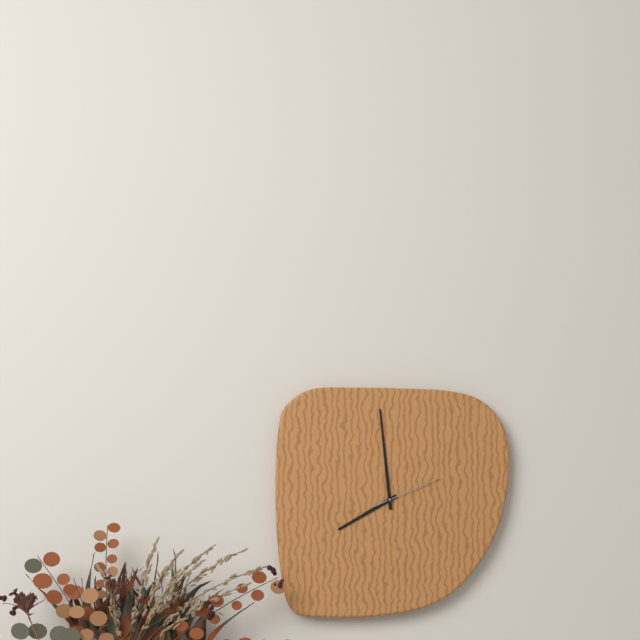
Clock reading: 7h59m11s
